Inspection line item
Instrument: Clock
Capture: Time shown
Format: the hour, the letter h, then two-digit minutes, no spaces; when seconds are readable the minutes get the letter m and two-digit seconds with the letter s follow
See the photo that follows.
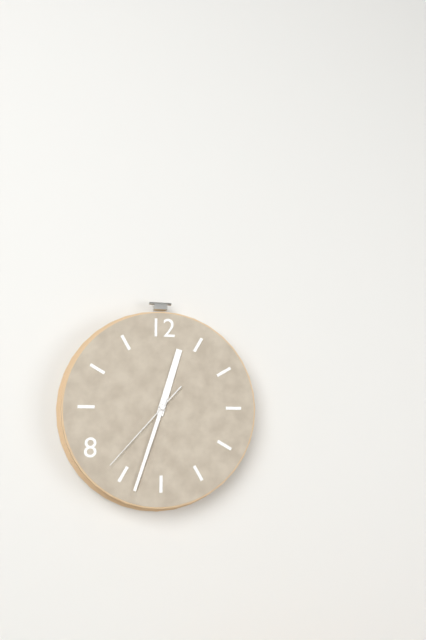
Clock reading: 12h33m37s
